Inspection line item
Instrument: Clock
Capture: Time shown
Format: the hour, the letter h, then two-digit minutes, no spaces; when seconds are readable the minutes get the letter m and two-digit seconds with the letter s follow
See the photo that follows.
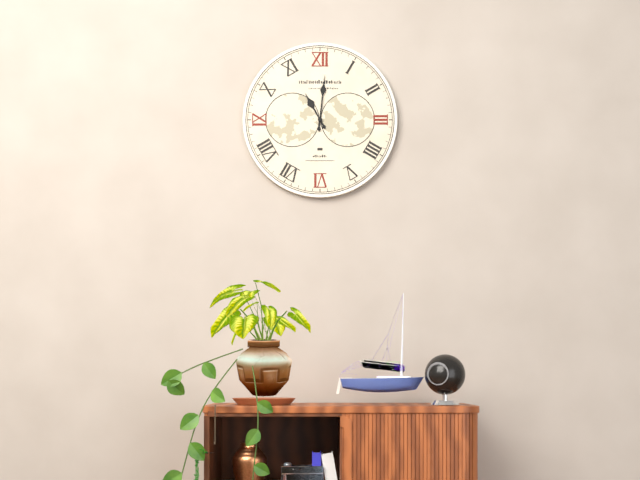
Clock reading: 11h01
